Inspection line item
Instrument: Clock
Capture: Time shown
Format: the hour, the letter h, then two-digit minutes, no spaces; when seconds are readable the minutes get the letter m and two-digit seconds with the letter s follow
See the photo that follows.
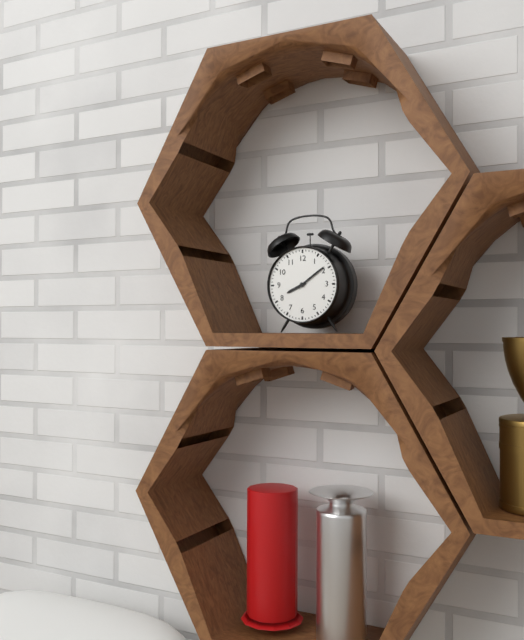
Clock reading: 8h09
